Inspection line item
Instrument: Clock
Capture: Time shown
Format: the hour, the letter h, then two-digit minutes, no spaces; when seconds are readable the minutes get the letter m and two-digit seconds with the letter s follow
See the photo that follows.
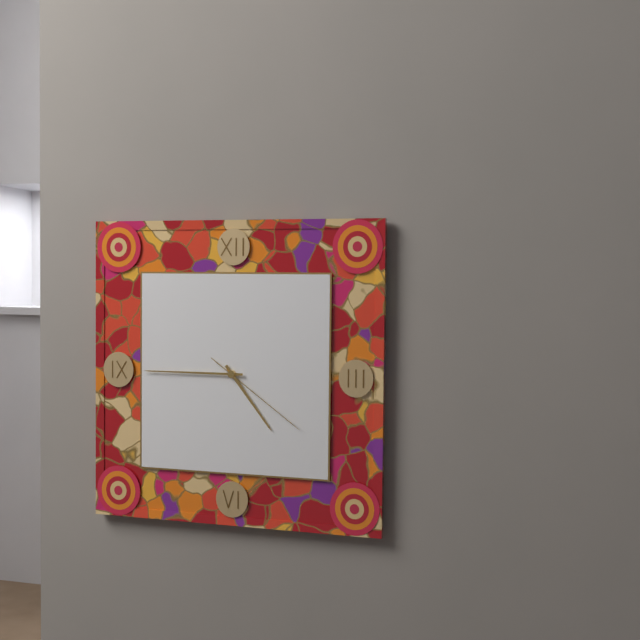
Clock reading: 4h45m21s
